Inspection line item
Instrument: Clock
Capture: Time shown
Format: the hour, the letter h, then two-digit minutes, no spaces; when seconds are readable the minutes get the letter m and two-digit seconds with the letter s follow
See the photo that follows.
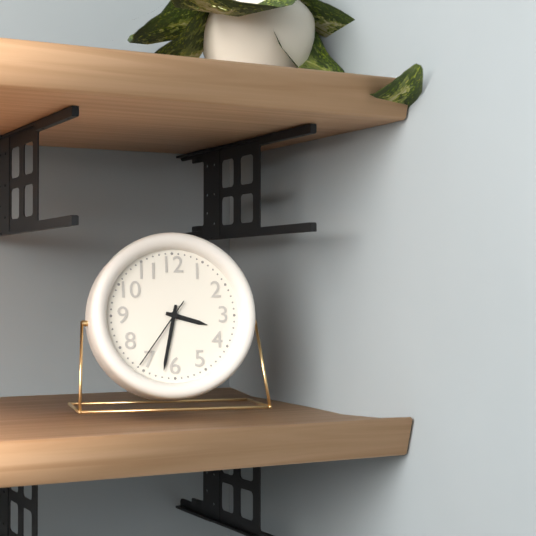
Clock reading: 3h32m36s
